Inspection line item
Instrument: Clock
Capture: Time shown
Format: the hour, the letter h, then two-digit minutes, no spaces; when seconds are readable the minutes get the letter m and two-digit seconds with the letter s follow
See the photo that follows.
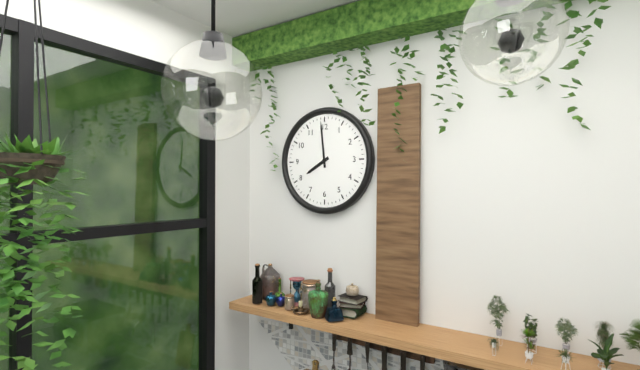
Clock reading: 7h59
